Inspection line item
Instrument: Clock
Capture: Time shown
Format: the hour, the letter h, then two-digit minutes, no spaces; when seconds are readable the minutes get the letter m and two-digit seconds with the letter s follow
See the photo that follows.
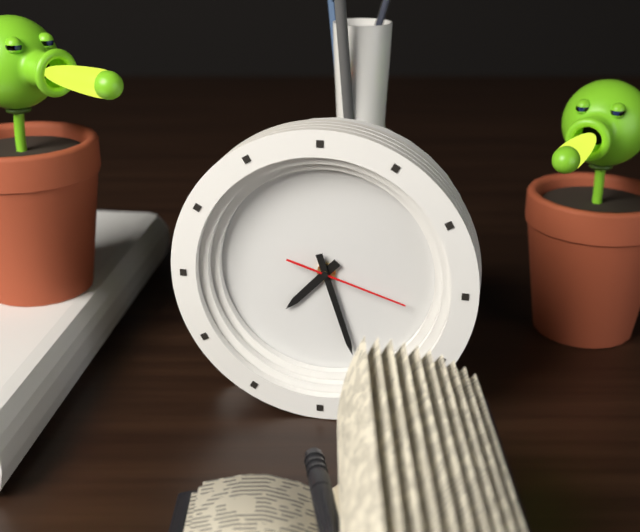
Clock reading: 7h27m18s
